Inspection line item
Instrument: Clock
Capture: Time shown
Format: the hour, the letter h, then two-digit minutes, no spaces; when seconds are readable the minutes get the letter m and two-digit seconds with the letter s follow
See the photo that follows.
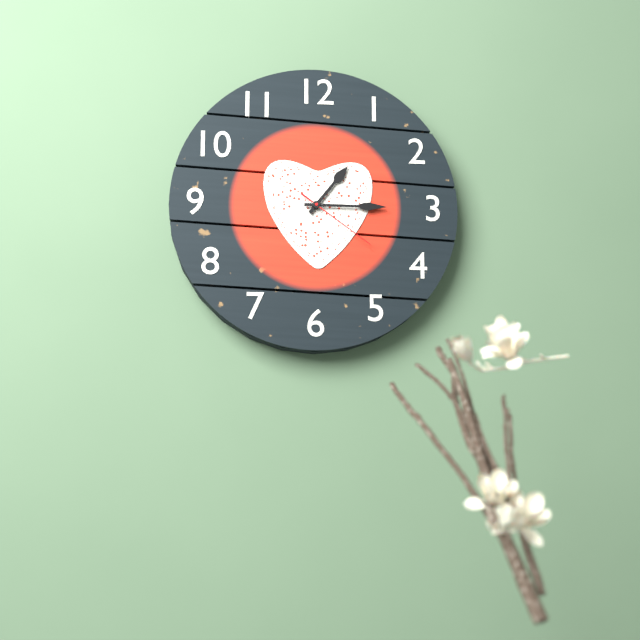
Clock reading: 1h15m21s
